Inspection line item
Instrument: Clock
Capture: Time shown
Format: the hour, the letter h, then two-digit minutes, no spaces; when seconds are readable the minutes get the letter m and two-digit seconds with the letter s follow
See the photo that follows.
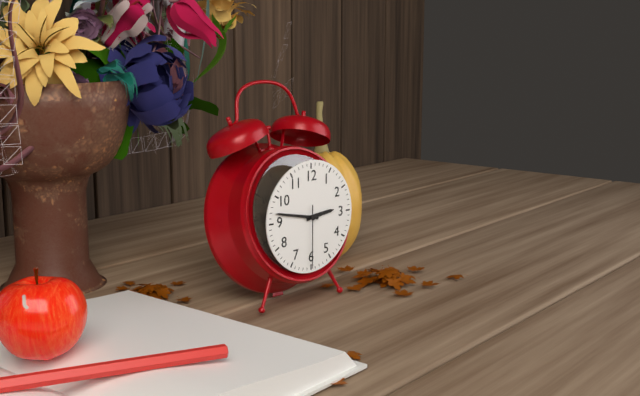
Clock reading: 2h47m30s
